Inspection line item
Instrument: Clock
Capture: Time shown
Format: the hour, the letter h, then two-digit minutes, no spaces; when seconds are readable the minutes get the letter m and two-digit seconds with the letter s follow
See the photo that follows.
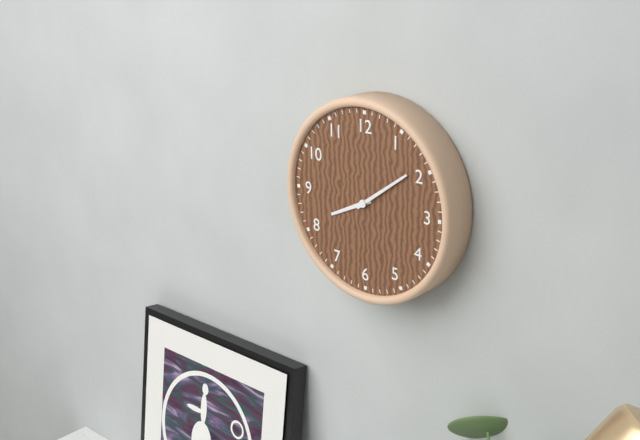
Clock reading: 8h09
